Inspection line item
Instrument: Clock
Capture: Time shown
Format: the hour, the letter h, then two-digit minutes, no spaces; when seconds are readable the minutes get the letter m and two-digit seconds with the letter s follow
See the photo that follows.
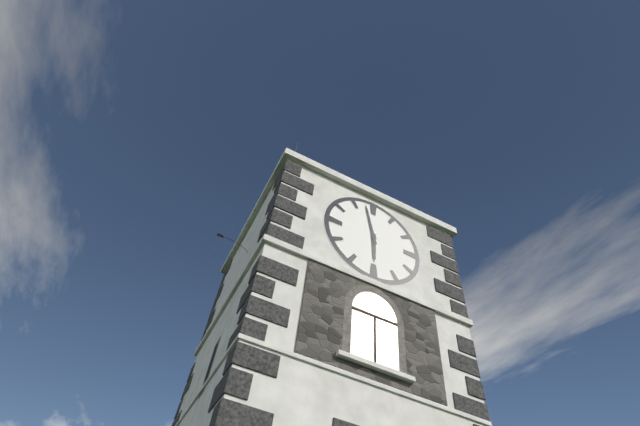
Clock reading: 5h58
